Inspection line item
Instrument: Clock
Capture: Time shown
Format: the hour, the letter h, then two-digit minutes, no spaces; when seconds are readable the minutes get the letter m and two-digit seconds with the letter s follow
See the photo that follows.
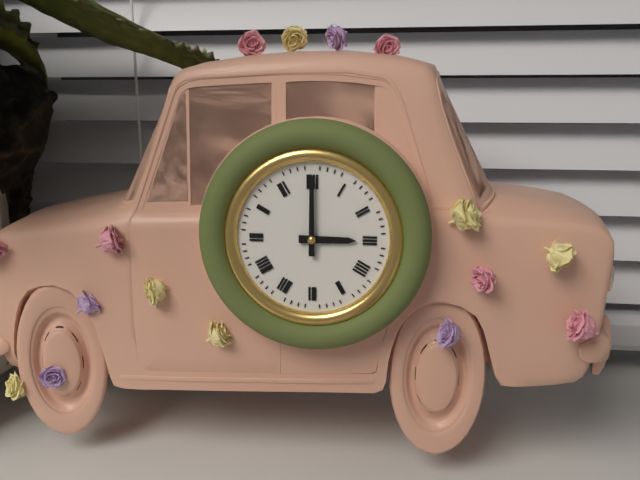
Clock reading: 3h00
